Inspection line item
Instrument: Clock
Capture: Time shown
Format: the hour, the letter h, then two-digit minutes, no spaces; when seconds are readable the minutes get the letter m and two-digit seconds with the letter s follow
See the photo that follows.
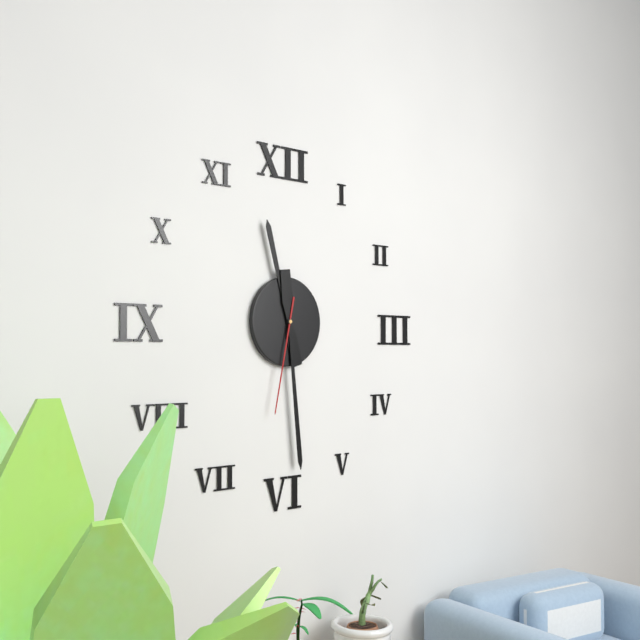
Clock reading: 11h29m32s
